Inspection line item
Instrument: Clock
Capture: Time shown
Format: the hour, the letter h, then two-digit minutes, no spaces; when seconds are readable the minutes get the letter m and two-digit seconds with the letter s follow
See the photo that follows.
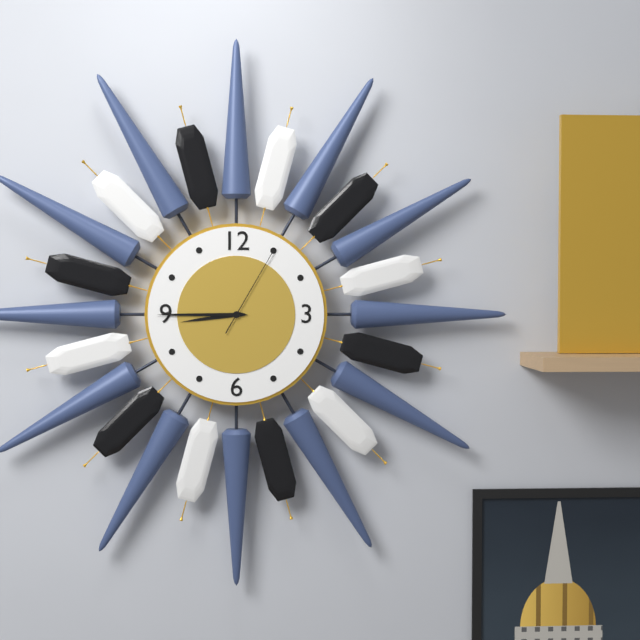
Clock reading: 8h45m05s
